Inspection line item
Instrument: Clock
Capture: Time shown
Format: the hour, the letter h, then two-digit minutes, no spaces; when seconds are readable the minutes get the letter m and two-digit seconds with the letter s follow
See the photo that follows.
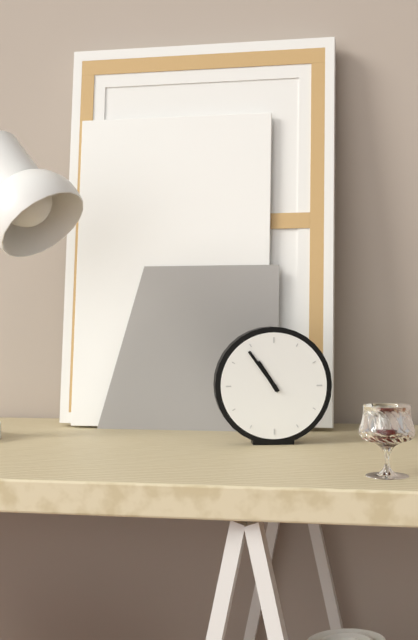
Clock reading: 10h54
